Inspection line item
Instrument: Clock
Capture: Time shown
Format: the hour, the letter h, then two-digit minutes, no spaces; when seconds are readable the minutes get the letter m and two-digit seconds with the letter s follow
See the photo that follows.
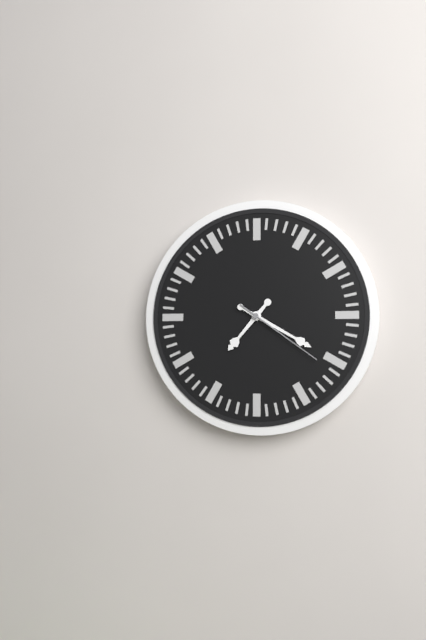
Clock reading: 7h20m21s
